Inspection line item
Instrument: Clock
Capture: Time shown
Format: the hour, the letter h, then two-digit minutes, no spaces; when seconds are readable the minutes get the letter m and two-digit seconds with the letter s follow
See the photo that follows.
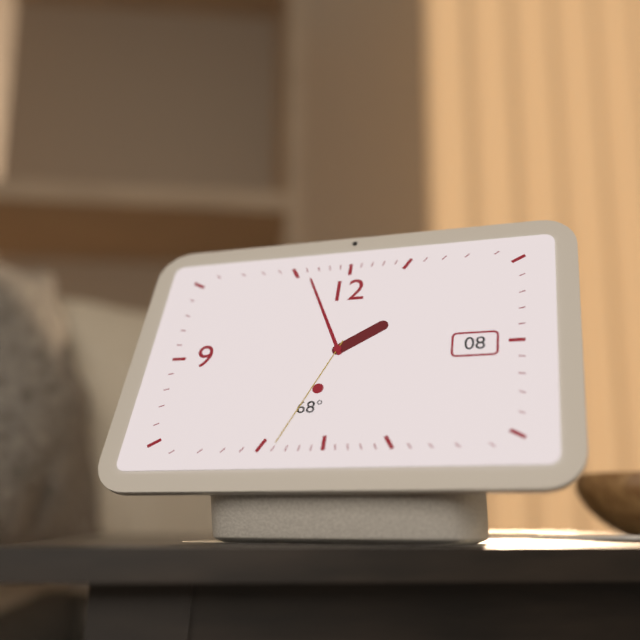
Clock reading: 1h56m34s
